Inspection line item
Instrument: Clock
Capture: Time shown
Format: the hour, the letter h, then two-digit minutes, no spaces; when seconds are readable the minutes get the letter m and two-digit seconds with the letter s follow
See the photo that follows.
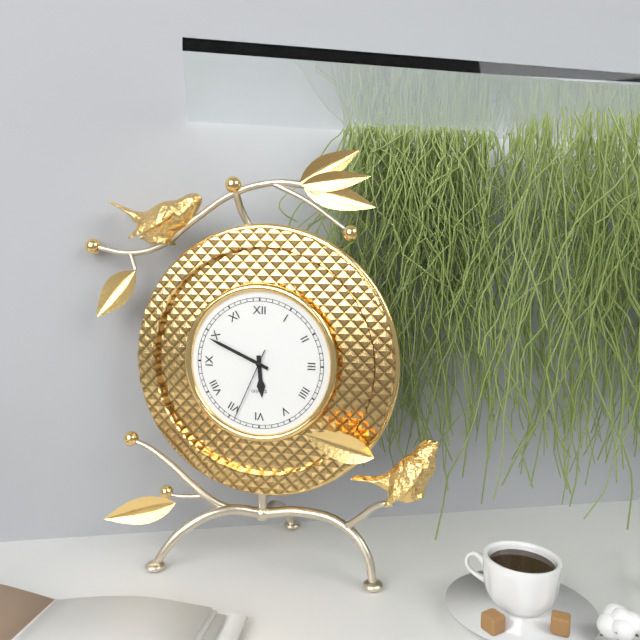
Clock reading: 5h49m34s
